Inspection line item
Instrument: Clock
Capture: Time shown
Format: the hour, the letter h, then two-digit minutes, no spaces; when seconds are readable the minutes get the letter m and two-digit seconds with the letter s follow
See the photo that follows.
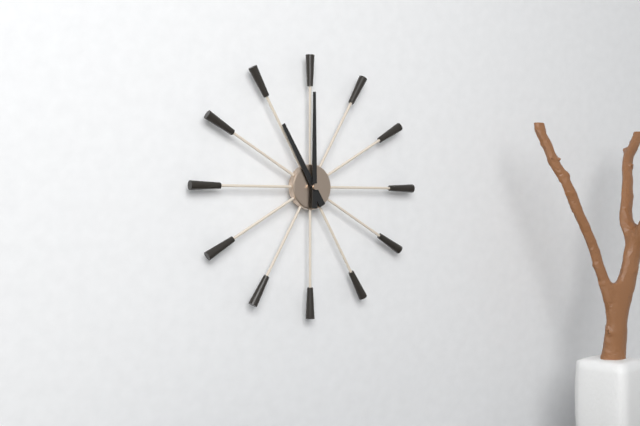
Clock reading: 11h00
